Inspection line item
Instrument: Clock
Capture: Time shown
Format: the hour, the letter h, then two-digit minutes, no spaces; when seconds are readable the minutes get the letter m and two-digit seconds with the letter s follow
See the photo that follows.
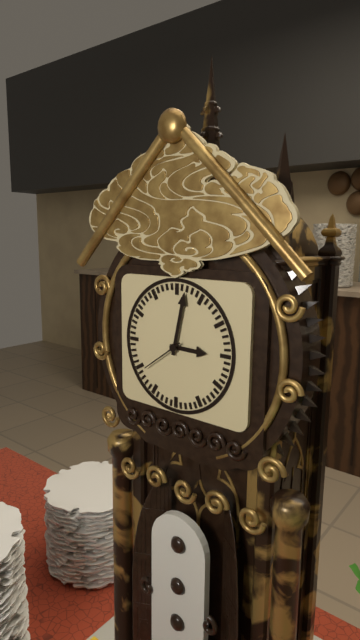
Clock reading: 3h02
